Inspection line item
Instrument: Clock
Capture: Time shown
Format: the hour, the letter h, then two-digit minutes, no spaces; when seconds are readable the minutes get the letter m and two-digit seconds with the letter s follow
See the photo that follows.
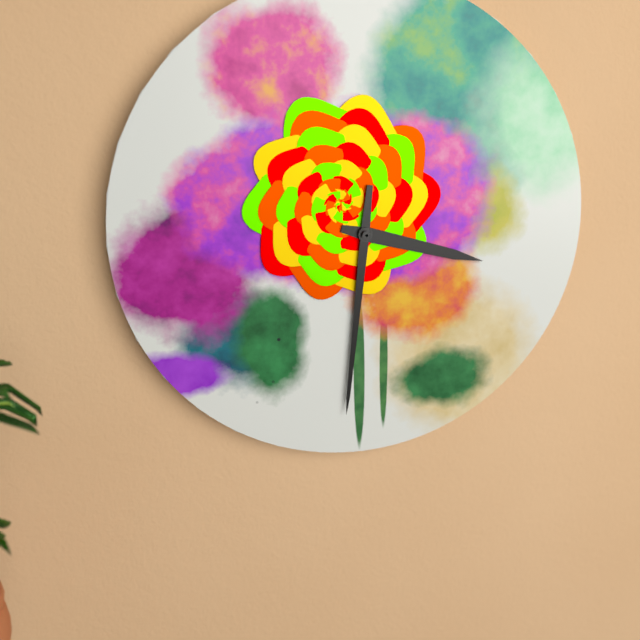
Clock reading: 3h31
